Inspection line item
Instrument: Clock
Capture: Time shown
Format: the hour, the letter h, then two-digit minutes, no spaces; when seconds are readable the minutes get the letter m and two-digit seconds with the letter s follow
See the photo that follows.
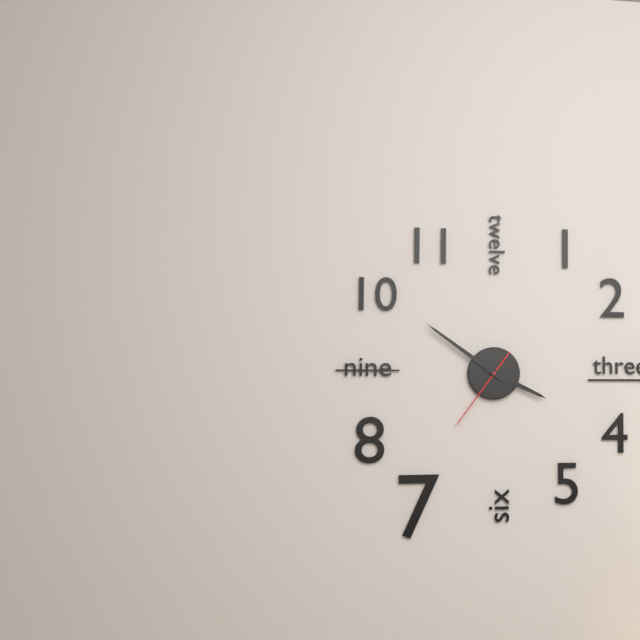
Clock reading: 3h51m36s
